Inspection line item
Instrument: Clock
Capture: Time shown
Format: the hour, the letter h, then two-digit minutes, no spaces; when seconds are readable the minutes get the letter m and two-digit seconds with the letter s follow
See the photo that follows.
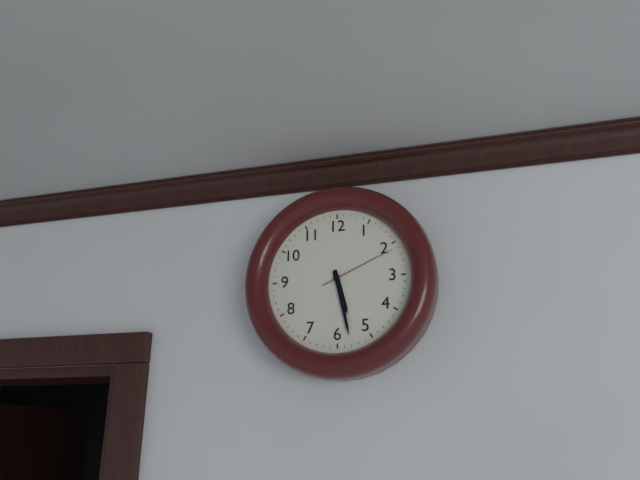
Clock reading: 5h28m11s
